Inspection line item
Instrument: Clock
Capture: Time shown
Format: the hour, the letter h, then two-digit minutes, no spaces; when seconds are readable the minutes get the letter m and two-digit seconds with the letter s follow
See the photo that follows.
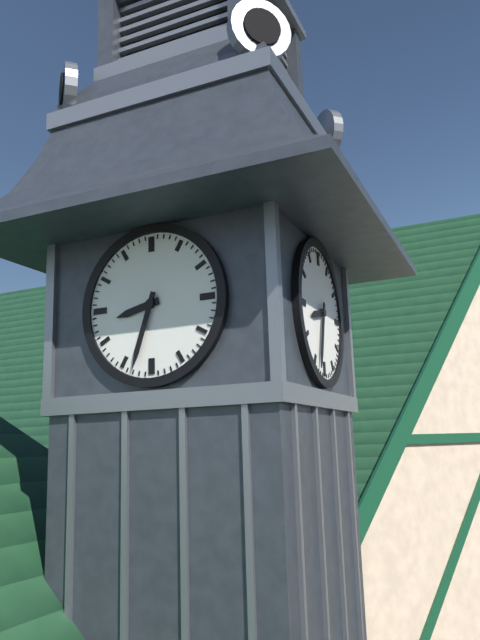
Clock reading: 8h33
